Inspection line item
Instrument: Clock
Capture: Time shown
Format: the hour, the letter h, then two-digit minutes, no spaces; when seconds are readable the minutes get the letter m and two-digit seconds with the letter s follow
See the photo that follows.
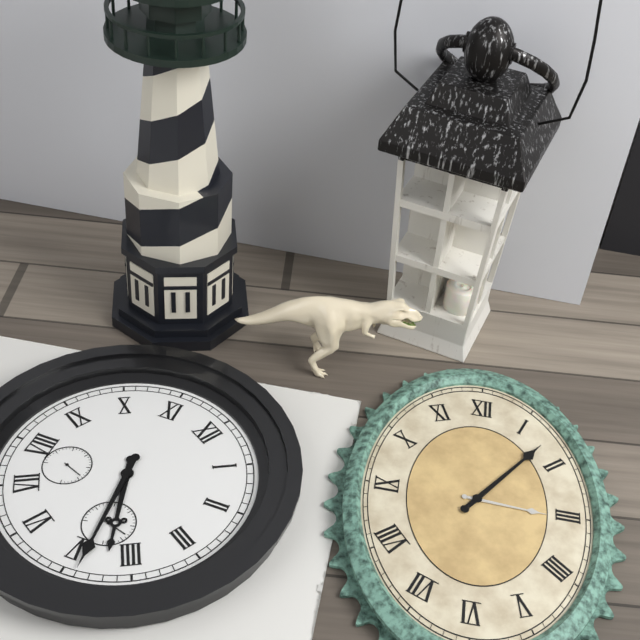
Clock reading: 4h24
